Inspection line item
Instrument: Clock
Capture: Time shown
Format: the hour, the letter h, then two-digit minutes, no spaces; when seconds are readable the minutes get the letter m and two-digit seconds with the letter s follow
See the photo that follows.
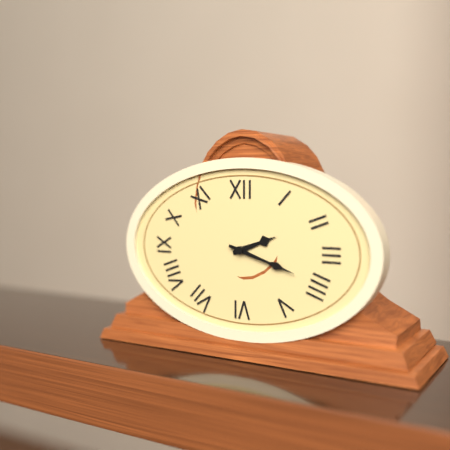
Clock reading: 2h18
